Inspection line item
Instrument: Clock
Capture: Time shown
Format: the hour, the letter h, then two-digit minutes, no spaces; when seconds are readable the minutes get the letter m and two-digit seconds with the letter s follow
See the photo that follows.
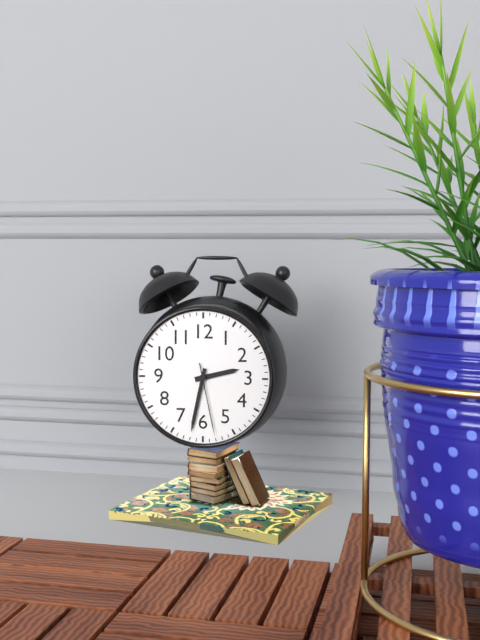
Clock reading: 2h32m28s
